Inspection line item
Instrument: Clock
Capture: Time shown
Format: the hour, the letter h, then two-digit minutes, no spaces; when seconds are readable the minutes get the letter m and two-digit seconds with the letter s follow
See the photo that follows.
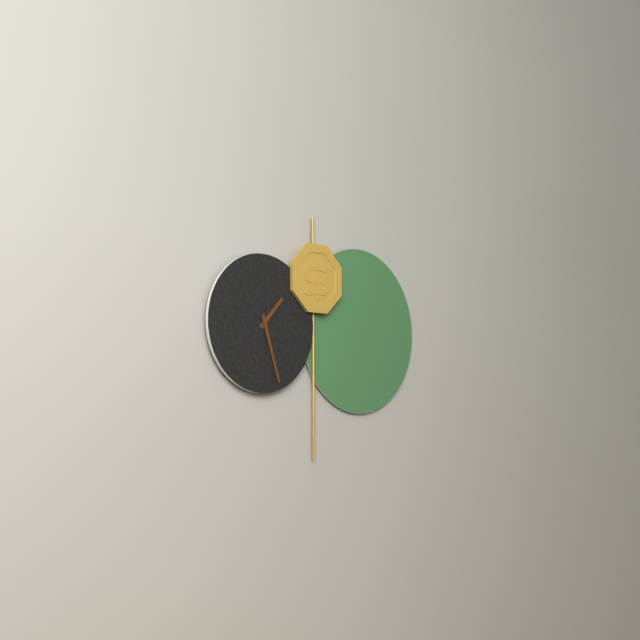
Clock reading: 1h27
